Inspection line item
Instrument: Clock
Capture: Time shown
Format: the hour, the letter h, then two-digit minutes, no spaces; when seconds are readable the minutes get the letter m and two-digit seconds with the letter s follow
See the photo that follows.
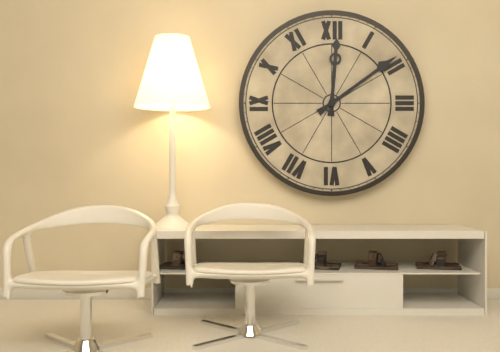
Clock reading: 12h09
